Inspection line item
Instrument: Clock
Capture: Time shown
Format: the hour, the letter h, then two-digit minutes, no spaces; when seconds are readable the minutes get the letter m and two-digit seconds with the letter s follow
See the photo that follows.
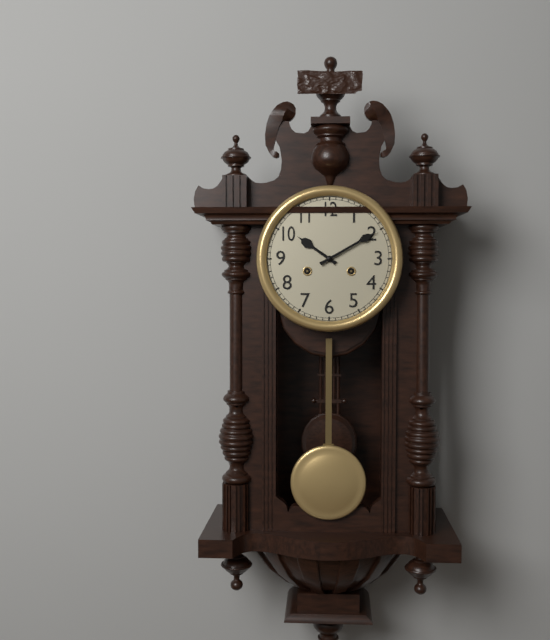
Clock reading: 10h10
